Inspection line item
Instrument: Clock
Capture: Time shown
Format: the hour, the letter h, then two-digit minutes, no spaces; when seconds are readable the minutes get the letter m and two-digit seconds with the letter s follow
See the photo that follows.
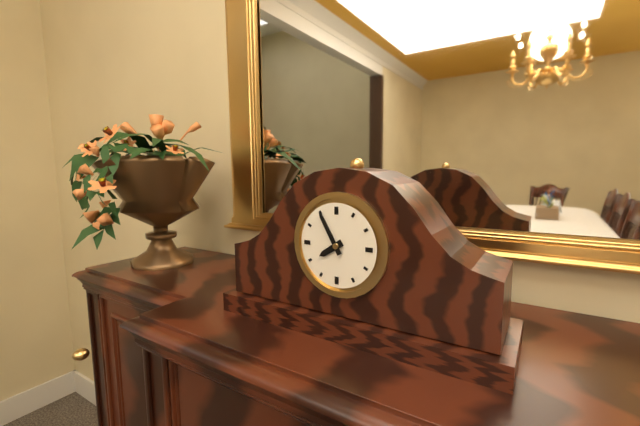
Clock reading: 7h55
